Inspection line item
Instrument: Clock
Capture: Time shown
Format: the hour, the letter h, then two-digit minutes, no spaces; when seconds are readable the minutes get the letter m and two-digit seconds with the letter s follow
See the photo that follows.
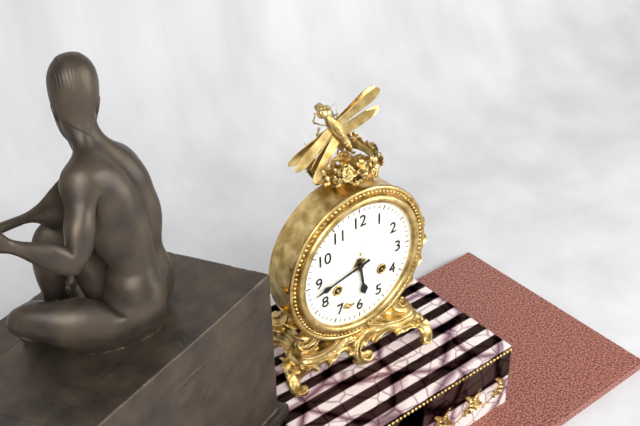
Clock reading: 5h43
